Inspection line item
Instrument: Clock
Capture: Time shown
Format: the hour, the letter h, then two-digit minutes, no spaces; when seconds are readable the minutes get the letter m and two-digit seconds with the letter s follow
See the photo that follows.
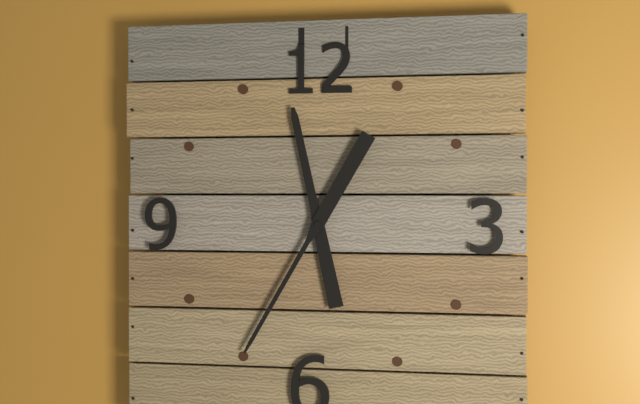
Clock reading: 11h35
